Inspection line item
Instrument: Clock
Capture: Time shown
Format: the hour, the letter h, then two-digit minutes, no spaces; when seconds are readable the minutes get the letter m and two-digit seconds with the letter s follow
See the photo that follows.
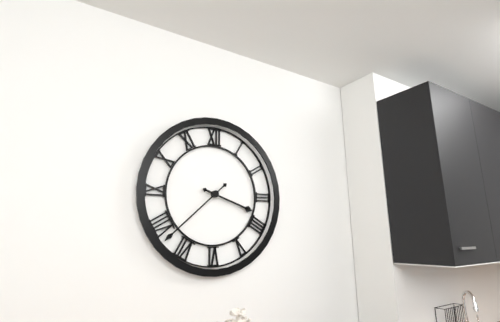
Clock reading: 3h38
